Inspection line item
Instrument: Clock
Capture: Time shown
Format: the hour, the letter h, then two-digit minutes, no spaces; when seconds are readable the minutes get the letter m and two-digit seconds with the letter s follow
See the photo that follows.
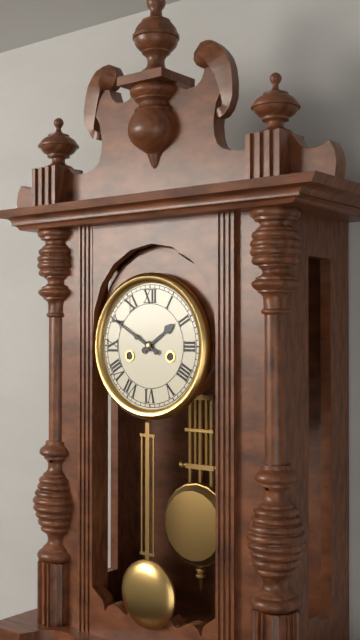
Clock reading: 1h50
